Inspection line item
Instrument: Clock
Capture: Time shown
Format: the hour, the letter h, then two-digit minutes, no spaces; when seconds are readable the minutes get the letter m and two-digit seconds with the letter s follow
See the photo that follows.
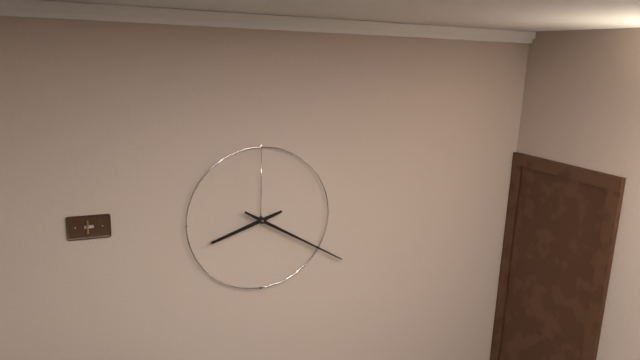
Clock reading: 8h20
